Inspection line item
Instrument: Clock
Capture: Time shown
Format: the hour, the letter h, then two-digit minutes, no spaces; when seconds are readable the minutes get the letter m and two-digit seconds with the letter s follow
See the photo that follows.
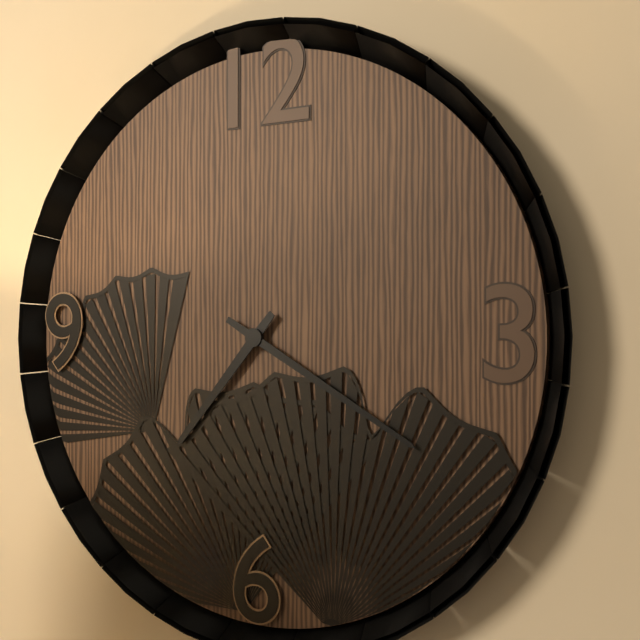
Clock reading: 7h20
